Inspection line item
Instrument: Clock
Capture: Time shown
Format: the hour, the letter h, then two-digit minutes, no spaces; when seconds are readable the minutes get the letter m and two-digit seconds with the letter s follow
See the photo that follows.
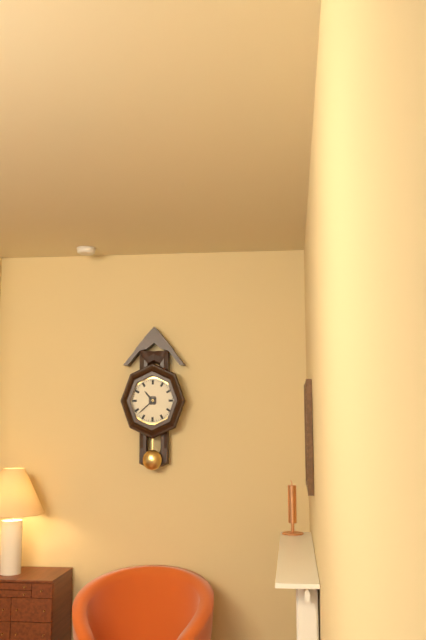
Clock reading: 10h38
